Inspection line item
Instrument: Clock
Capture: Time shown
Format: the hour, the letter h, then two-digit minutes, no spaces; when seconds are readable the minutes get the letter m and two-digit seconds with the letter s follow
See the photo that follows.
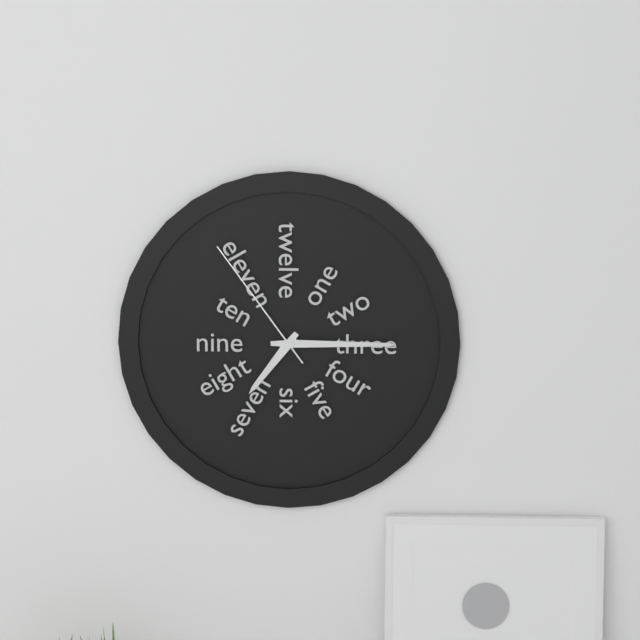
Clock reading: 7h15m54s
